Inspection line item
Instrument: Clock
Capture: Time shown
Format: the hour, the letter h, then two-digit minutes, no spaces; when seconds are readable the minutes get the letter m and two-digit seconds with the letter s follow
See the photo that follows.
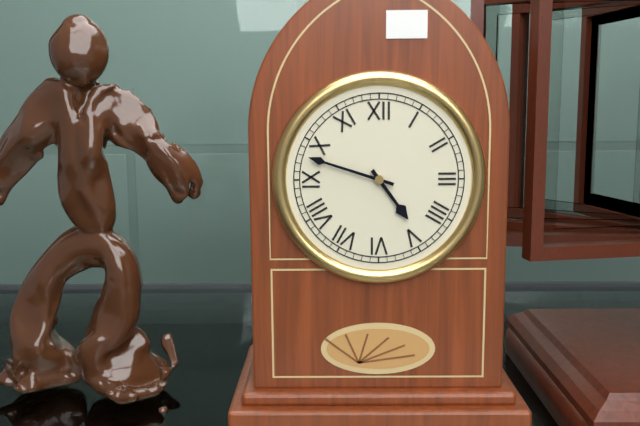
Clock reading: 4h48
